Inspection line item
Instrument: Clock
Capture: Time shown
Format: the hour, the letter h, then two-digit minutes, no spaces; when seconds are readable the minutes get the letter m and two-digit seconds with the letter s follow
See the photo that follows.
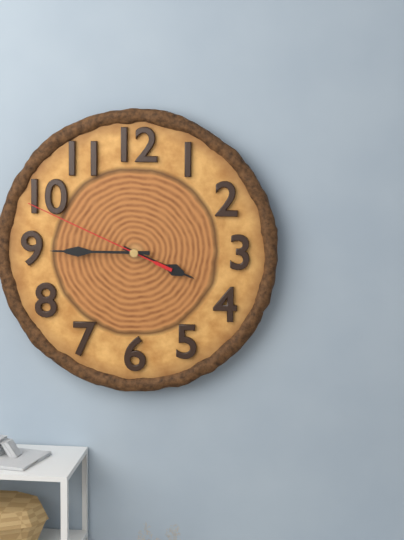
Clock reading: 3h45m49s
